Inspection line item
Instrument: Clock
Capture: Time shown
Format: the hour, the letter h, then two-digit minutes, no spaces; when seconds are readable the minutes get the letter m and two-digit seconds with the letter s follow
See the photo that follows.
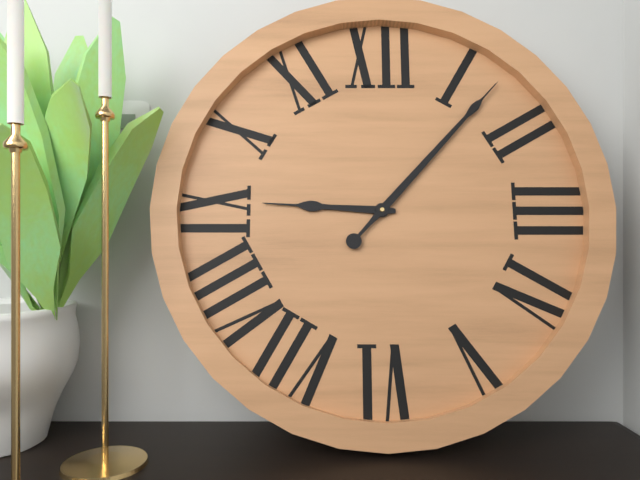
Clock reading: 9h07
